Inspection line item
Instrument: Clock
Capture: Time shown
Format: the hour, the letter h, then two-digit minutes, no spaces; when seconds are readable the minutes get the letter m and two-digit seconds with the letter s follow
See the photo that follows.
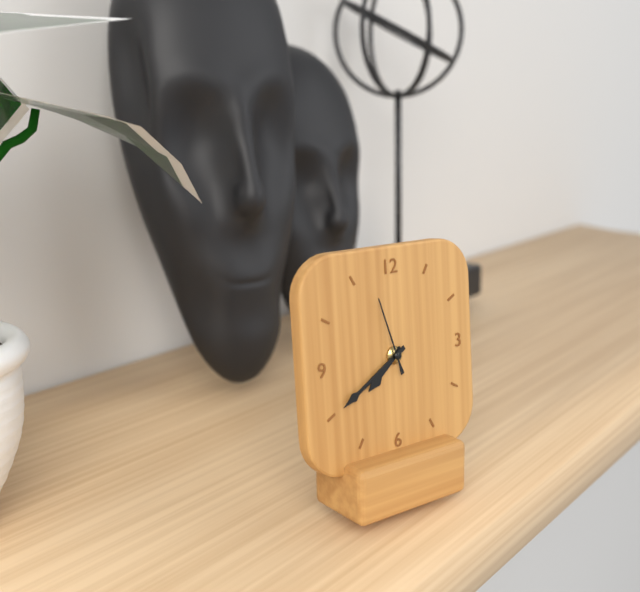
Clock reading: 7h40m57s
